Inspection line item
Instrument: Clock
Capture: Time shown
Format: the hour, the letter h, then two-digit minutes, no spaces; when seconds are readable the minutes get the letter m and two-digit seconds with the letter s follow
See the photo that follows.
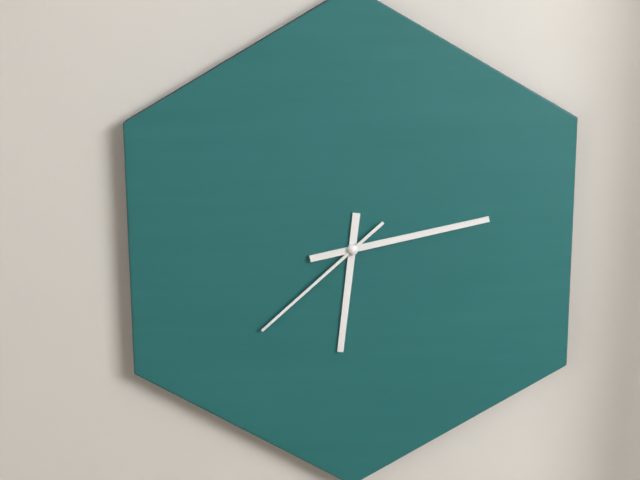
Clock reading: 6h13m38s
